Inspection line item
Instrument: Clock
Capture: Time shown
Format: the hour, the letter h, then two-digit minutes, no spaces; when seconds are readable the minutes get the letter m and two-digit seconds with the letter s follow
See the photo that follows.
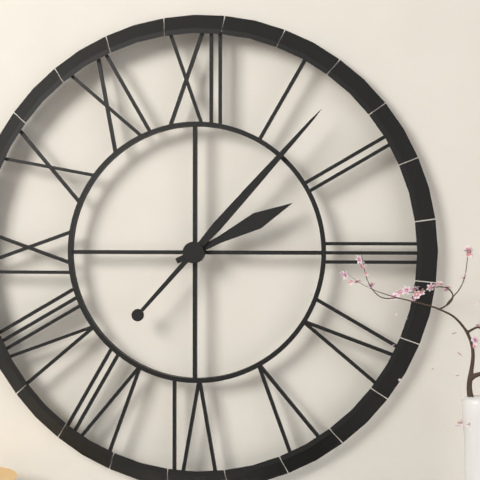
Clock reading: 2h07
